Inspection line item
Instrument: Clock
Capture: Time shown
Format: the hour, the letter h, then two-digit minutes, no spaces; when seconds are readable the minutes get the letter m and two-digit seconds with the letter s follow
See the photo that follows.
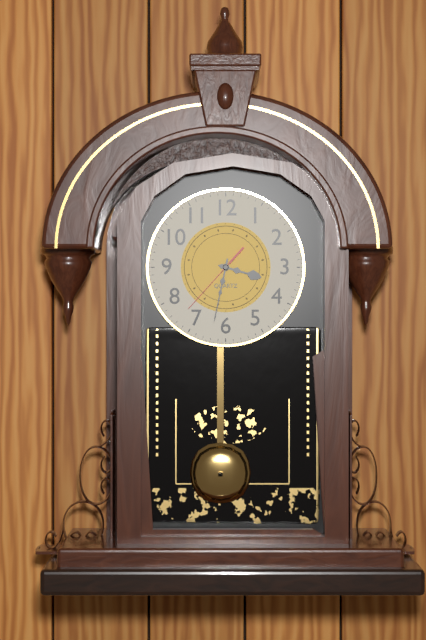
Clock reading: 3h32m37s
